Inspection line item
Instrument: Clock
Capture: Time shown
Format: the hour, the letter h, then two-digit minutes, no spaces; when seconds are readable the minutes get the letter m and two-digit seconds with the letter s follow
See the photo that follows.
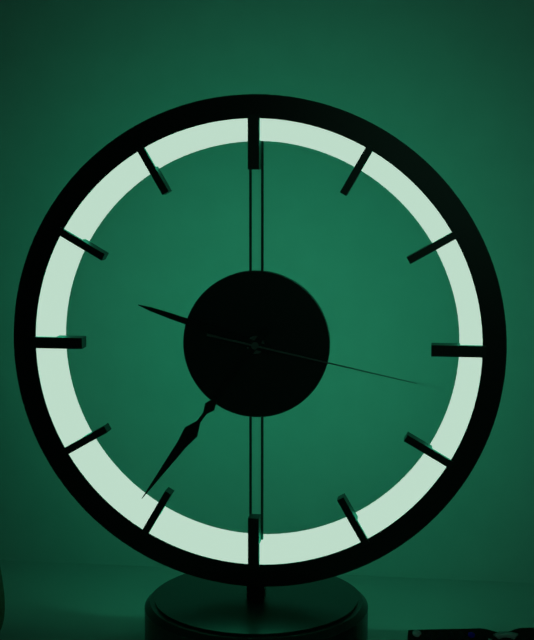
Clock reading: 9h36m17s
